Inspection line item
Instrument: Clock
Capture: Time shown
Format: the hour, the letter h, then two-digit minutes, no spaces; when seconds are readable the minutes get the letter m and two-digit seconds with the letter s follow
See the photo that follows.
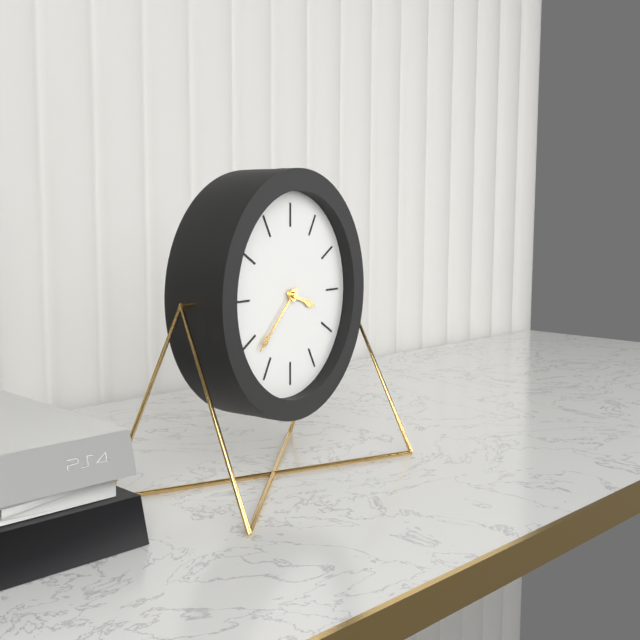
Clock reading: 3h38
